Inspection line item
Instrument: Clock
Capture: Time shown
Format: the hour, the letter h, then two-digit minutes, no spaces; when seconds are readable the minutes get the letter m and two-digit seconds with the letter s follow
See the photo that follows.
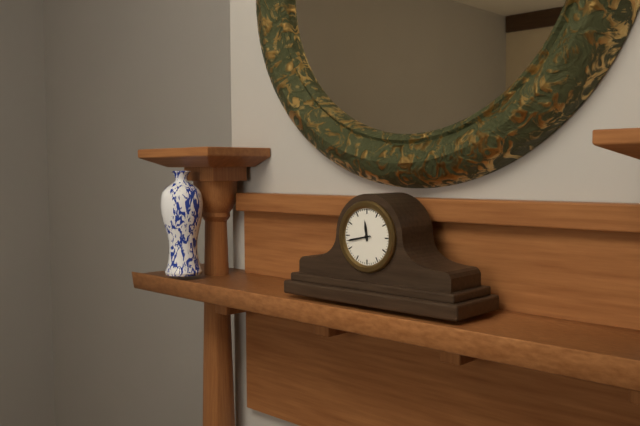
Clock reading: 11h43
